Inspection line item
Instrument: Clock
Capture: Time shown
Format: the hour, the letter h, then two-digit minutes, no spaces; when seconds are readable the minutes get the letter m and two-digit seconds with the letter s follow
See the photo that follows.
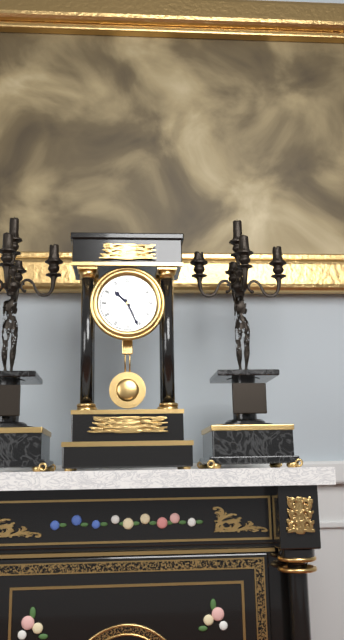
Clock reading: 10h26
